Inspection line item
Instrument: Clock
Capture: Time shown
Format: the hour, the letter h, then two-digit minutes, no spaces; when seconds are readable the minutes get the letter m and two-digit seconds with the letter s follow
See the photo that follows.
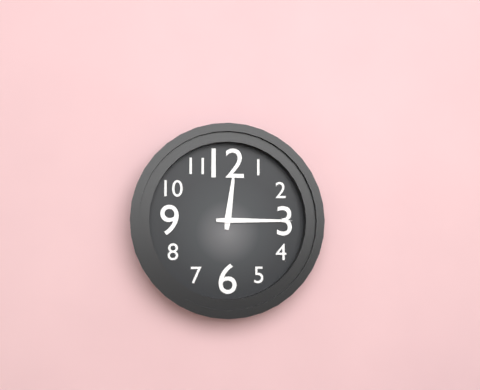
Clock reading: 12h15
